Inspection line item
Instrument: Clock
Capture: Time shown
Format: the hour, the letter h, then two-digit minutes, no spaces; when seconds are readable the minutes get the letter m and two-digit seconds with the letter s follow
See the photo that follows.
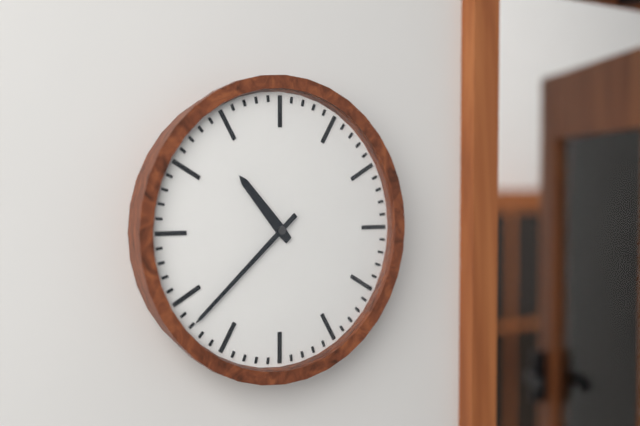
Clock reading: 10h38
